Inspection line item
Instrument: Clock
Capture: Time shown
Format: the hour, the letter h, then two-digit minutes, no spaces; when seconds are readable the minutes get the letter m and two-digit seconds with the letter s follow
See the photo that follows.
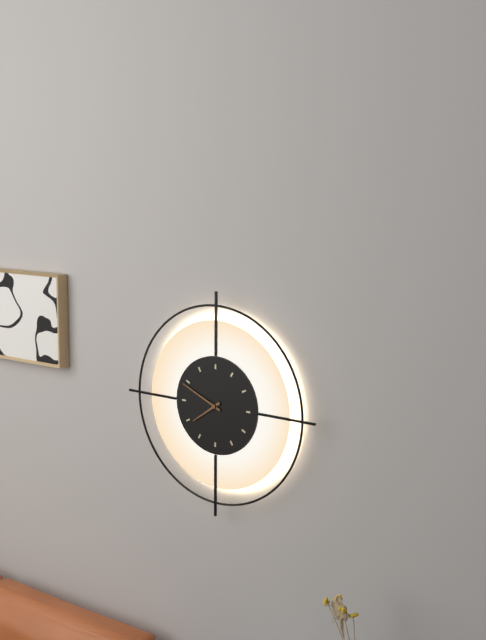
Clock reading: 7h49
